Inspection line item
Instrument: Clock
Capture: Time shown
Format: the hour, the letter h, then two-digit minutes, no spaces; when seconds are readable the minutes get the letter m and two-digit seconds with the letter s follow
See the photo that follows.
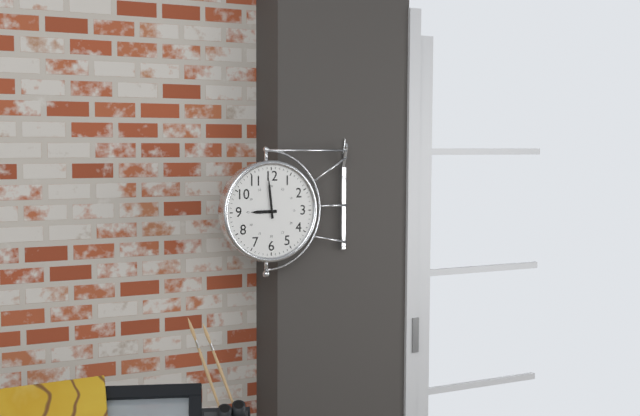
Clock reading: 8h59
